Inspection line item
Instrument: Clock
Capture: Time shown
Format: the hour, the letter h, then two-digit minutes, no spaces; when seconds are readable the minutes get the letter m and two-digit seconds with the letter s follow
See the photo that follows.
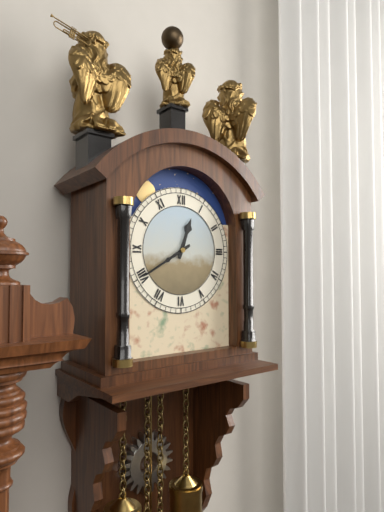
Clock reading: 12h40
